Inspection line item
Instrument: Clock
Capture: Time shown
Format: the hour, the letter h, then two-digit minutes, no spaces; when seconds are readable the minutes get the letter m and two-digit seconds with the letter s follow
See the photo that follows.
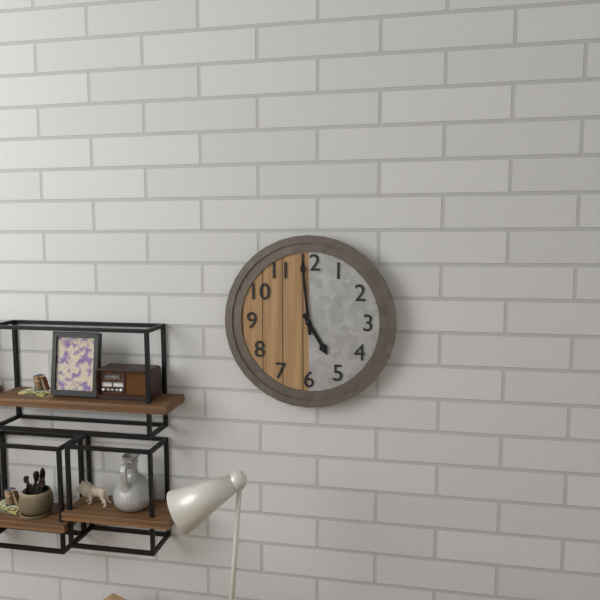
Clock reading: 4h59
